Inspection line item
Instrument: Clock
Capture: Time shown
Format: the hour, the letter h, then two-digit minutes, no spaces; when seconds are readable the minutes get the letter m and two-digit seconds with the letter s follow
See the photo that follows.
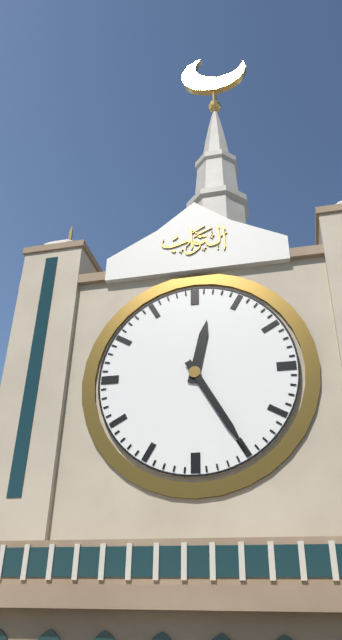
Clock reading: 12h25
